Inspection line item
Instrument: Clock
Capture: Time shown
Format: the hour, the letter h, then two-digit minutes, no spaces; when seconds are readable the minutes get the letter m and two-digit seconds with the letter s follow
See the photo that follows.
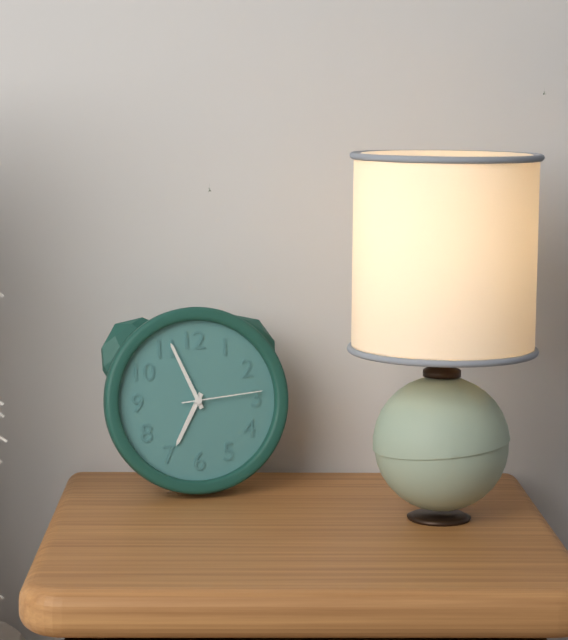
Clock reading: 6h56m14s
